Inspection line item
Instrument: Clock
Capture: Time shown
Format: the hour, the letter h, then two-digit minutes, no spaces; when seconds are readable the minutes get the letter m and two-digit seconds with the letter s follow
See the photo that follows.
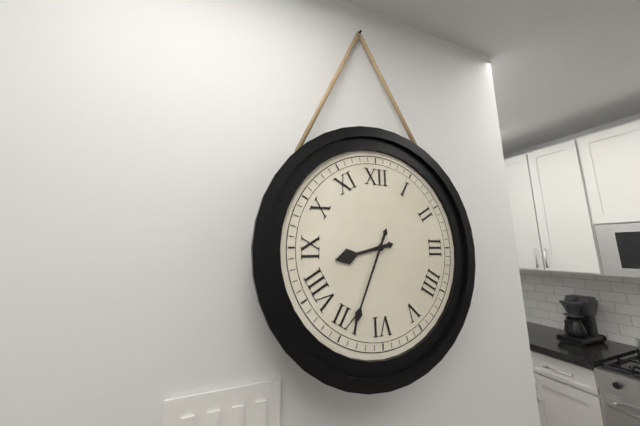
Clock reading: 8h34
